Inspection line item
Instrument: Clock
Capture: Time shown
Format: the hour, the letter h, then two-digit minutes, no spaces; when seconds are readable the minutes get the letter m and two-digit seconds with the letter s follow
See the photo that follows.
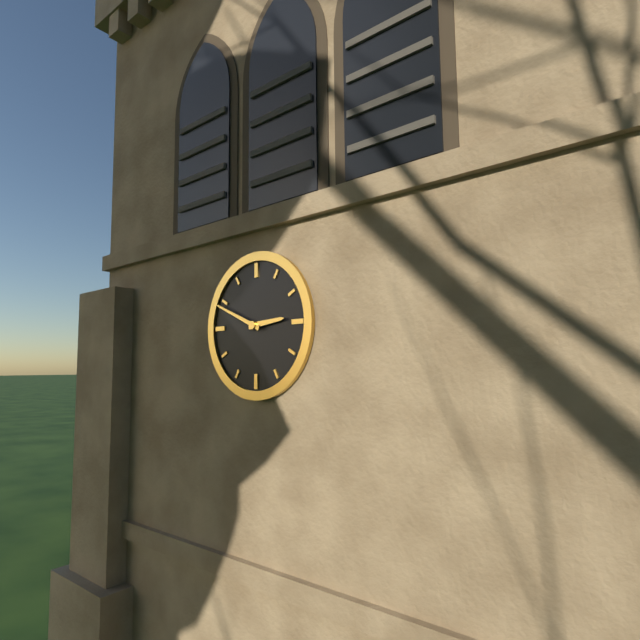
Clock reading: 2h49
